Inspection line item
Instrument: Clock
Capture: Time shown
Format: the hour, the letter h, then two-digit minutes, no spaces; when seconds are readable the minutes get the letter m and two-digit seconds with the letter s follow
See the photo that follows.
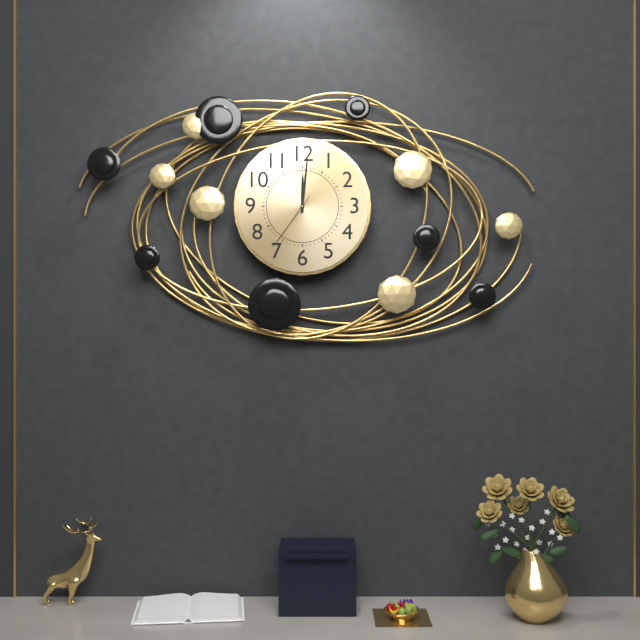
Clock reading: 12h01m36s
